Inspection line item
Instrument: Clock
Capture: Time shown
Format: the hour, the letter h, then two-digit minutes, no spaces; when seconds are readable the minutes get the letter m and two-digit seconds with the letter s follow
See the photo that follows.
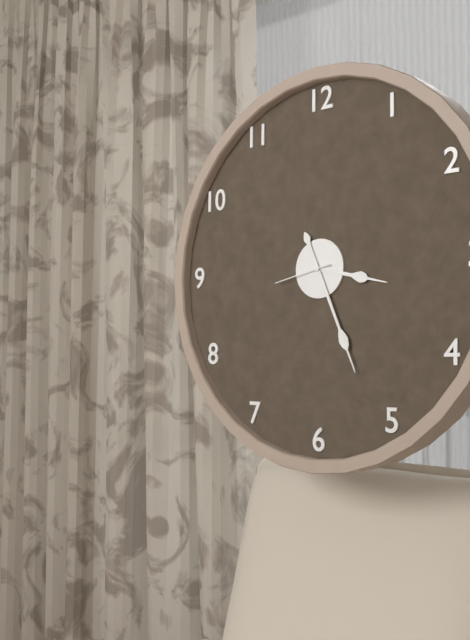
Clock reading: 3h26m43s
